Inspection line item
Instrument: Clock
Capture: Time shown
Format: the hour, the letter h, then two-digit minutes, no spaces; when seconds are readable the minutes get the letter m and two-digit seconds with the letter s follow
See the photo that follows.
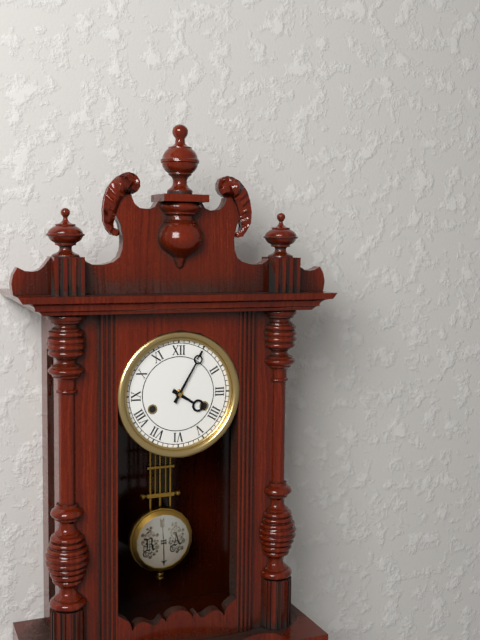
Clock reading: 4h05
